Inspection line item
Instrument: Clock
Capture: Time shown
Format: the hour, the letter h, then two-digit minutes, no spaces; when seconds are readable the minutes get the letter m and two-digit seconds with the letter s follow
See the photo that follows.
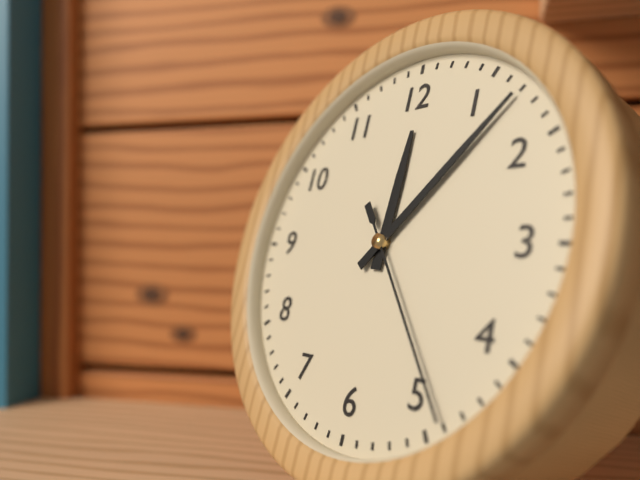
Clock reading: 12h07m24s
